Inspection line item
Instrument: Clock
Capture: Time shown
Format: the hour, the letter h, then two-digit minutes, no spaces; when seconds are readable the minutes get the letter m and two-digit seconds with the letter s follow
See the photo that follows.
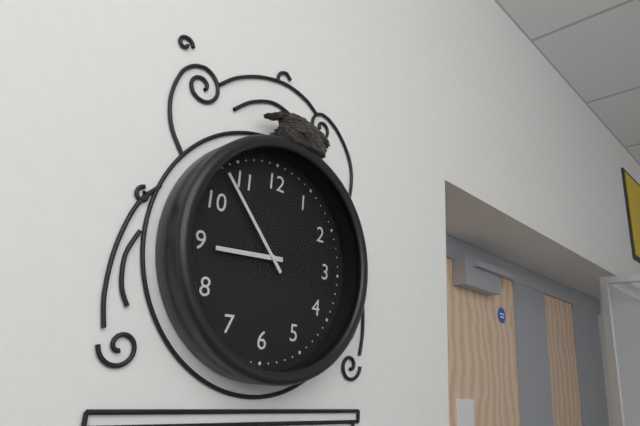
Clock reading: 8h53
